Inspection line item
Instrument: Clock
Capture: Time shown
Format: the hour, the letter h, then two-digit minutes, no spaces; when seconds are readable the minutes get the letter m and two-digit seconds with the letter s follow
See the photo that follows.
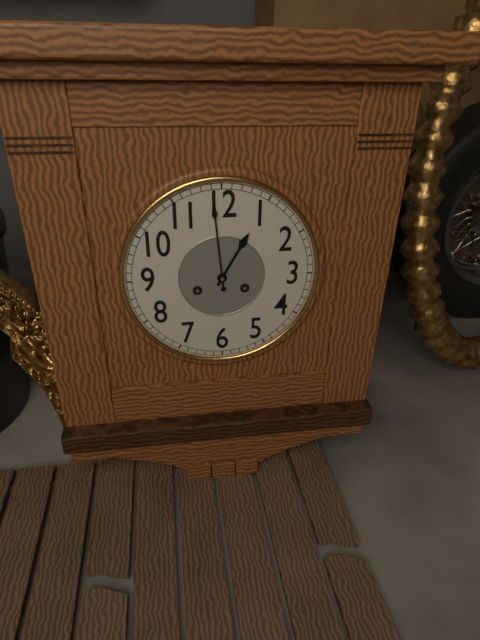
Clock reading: 12h59
